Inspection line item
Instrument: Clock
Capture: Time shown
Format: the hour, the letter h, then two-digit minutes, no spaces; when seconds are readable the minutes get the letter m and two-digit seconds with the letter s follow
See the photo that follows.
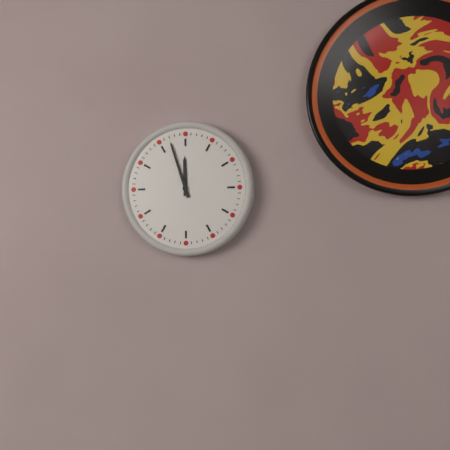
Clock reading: 11h57
